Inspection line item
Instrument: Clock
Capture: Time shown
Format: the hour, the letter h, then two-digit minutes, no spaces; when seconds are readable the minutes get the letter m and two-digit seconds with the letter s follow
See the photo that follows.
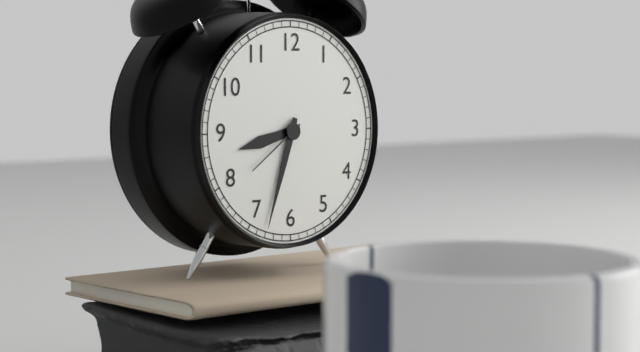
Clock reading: 8h33m39s
